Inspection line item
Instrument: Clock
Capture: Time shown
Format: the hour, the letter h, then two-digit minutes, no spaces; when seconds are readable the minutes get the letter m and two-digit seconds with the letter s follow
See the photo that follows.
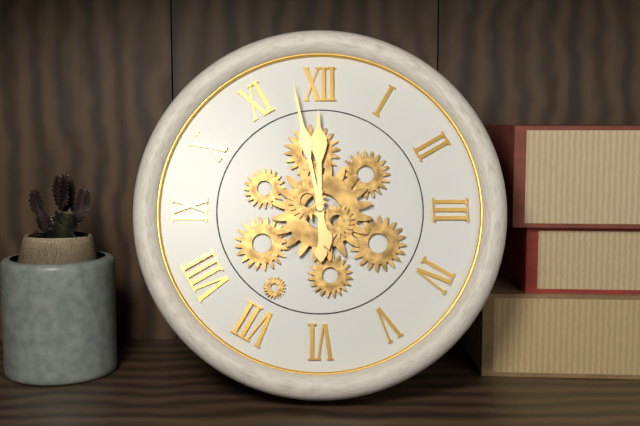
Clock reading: 11h58
